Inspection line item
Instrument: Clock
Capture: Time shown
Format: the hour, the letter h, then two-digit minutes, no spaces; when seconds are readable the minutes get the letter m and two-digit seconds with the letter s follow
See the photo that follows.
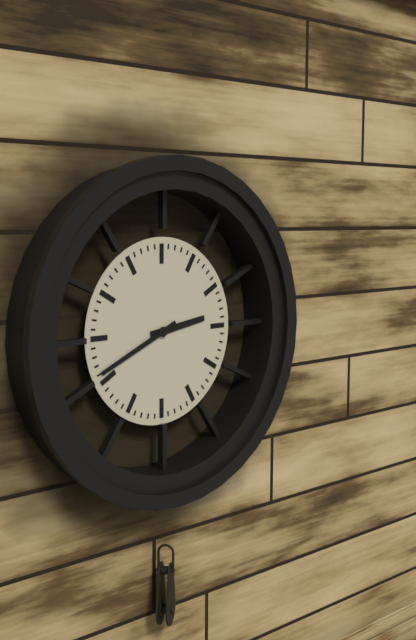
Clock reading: 2h41
